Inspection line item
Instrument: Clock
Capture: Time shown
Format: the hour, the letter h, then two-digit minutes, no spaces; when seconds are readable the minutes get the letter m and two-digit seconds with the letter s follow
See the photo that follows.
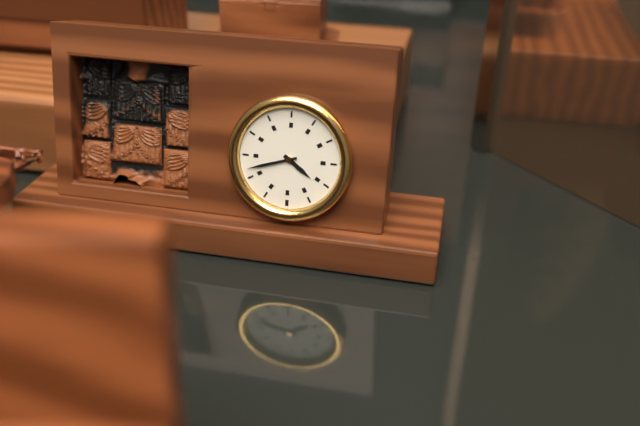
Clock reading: 10h12
